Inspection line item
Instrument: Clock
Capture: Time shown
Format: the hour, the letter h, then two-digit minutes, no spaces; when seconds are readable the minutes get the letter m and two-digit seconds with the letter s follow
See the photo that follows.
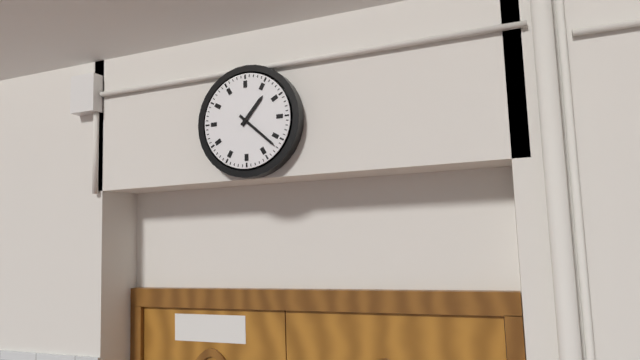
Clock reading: 1h22
